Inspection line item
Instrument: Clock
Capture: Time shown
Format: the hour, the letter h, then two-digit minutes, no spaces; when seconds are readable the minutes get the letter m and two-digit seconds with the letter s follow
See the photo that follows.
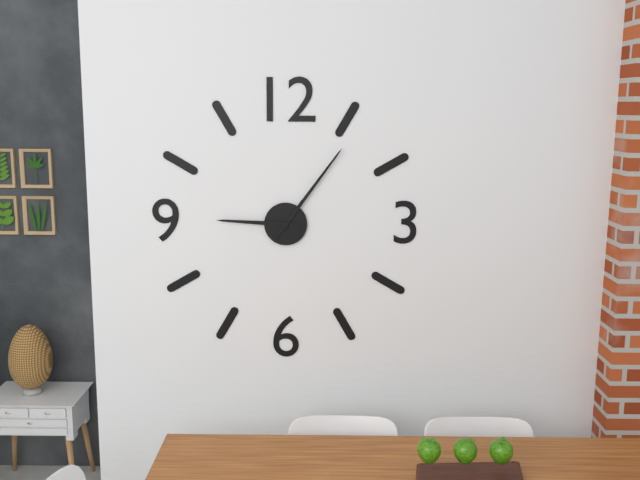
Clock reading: 9h06
